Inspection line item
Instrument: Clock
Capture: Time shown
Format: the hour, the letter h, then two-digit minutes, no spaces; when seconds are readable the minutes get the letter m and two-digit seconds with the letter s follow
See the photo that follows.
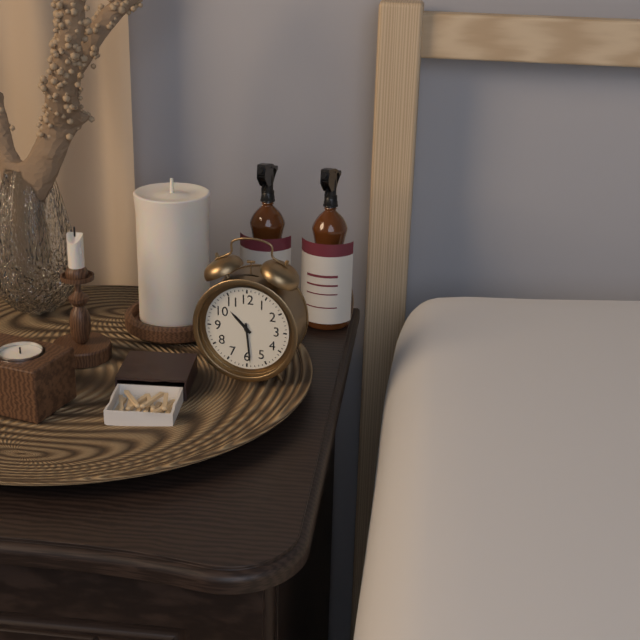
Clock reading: 10h29
